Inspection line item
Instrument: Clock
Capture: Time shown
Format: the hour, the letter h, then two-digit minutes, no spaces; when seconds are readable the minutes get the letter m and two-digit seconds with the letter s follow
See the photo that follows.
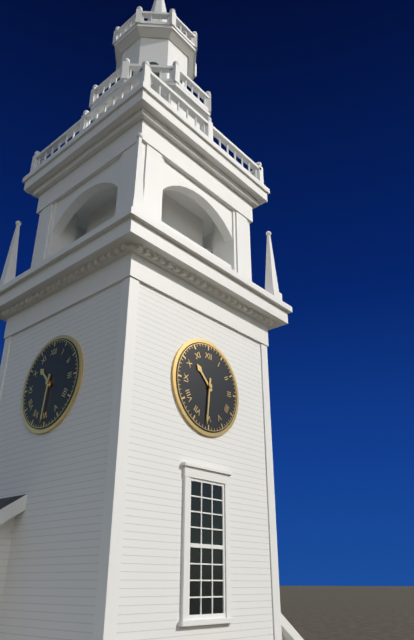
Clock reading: 10h31
